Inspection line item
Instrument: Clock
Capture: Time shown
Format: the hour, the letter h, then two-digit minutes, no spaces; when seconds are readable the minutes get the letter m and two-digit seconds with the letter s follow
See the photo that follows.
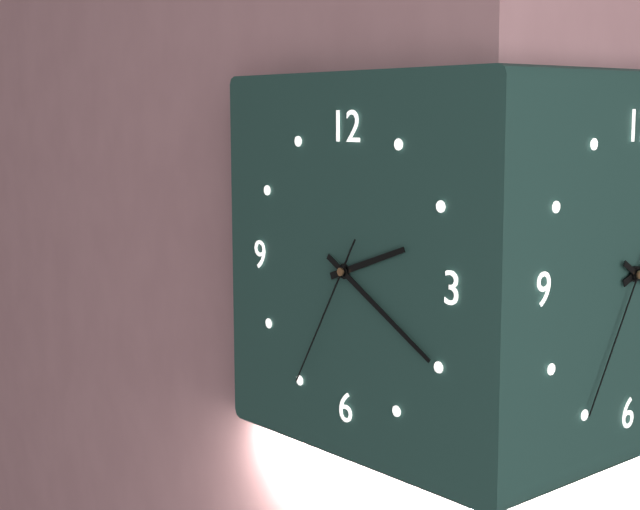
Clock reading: 2h20m35s
